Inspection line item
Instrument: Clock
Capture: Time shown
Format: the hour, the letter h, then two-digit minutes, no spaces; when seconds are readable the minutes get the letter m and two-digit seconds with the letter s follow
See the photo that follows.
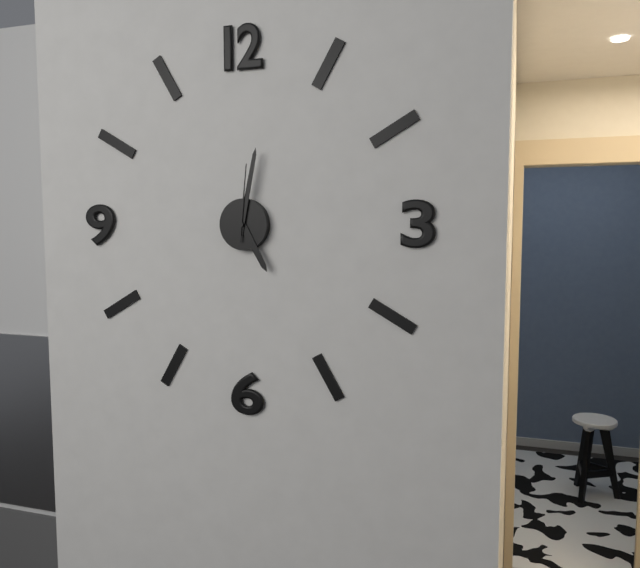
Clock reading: 5h02m01s
